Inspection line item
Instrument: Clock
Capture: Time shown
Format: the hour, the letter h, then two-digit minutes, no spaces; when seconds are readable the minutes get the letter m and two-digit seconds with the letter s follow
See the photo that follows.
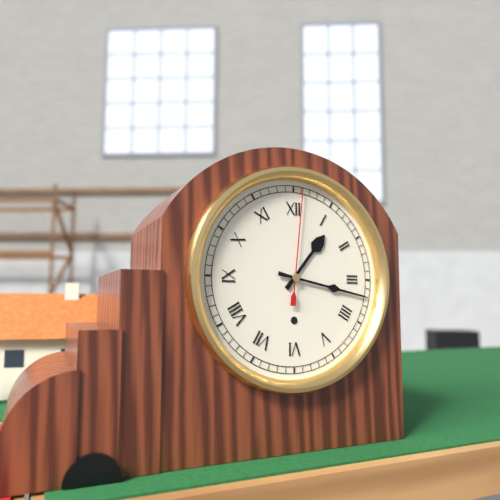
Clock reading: 1h17m01s
